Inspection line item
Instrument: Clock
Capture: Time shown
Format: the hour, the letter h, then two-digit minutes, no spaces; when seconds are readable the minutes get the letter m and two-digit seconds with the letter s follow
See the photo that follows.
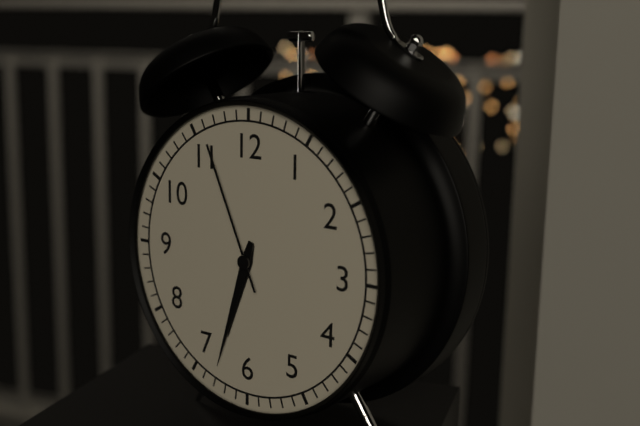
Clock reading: 6h33m56s
